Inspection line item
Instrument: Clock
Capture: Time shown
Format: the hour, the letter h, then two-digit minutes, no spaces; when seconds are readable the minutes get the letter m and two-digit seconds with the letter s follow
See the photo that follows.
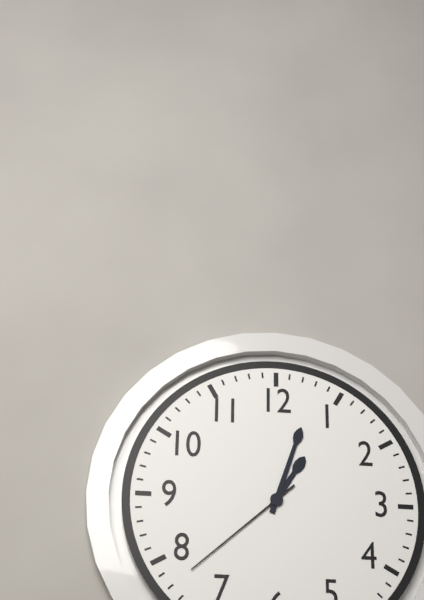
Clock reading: 1h03m38s
